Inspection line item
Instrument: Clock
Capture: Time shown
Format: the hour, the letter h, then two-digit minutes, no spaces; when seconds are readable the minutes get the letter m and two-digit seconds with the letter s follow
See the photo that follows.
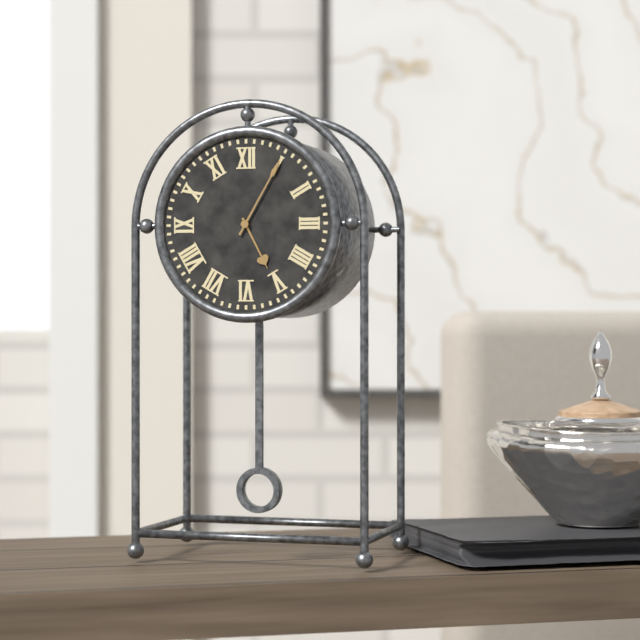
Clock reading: 5h05
